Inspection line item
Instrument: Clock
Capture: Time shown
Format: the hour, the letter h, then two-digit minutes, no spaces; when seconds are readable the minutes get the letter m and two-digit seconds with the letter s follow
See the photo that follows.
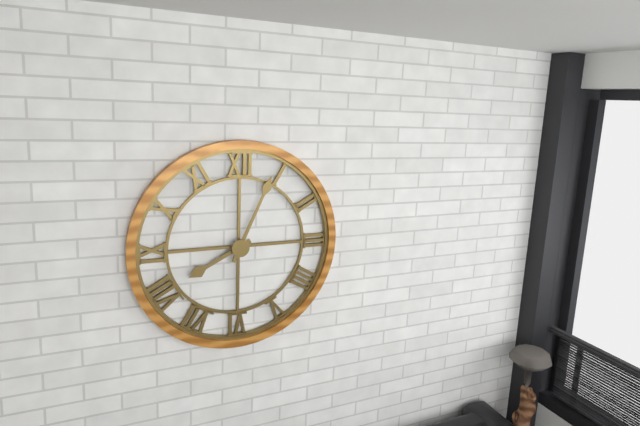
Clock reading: 8h04
